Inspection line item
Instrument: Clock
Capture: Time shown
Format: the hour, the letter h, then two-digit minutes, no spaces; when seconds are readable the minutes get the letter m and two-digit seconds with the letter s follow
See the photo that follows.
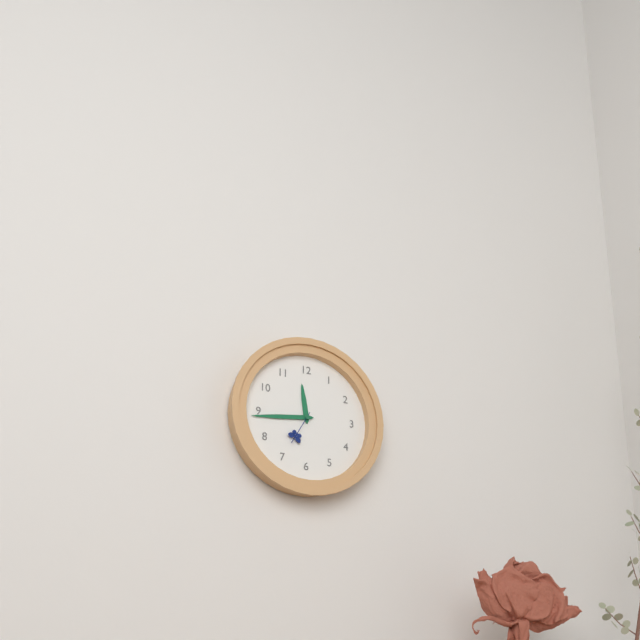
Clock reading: 11h44
